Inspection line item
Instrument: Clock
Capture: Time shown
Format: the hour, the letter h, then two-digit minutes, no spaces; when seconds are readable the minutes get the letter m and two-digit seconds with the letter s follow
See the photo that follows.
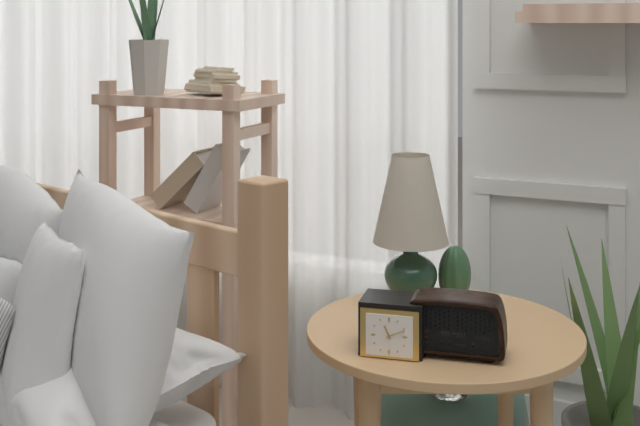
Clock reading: 11h11
